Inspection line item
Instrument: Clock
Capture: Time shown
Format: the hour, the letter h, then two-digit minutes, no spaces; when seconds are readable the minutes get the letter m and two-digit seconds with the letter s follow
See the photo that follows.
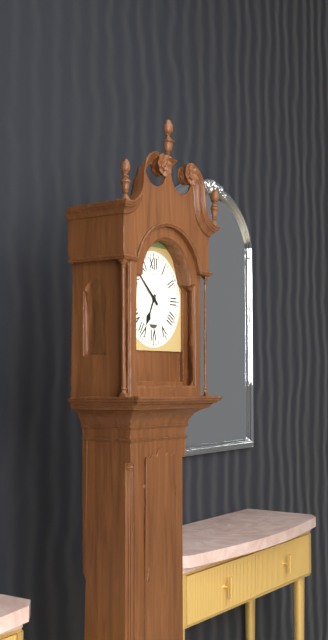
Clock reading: 6h52
